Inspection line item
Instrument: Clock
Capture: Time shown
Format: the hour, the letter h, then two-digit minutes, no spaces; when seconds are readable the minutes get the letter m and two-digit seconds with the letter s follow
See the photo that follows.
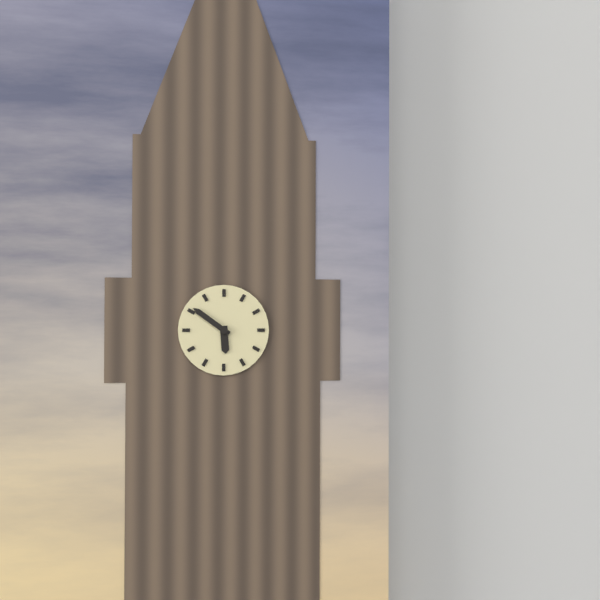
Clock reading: 5h51
